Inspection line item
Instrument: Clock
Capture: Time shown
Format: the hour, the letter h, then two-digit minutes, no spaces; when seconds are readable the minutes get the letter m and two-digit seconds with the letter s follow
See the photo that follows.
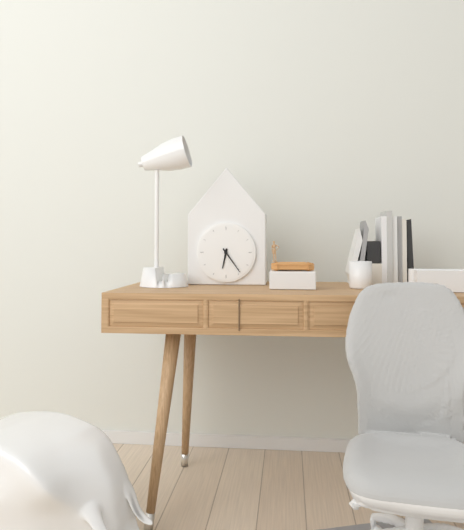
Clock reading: 6h24
